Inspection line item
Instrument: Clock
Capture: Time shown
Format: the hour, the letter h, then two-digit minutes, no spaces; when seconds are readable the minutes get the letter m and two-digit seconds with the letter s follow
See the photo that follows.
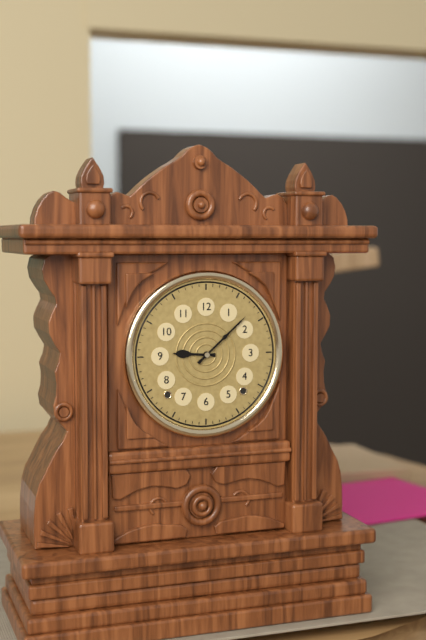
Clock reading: 9h08
